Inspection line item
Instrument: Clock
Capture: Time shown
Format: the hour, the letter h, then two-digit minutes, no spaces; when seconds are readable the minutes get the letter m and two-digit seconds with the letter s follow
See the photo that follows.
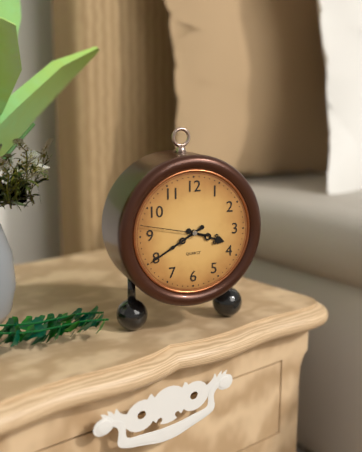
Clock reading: 3h40m47s
